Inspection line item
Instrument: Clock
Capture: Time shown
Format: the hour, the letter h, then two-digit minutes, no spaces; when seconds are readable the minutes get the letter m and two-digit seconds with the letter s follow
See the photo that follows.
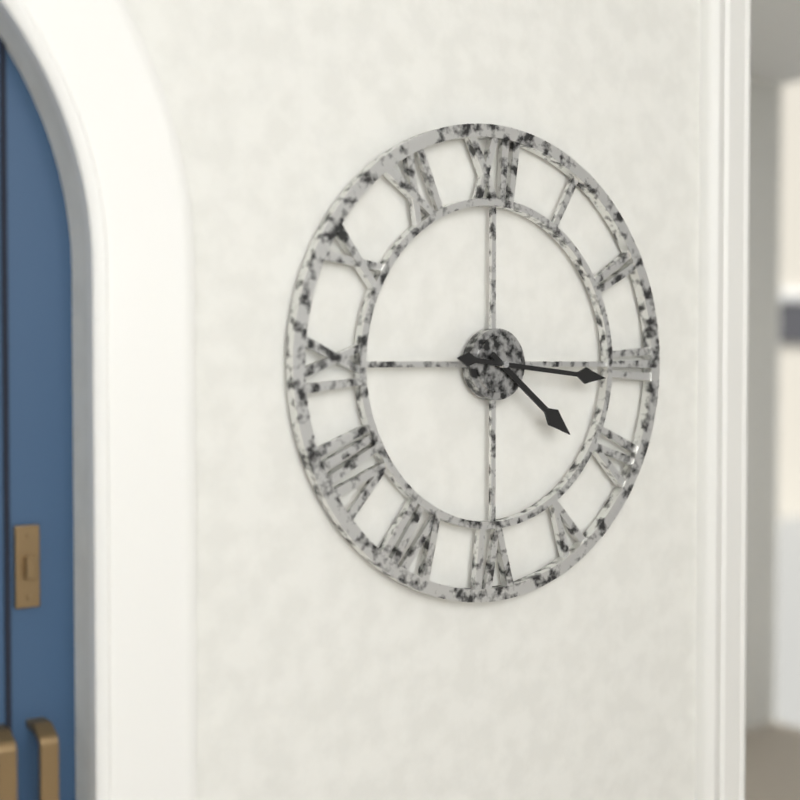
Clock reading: 4h16
